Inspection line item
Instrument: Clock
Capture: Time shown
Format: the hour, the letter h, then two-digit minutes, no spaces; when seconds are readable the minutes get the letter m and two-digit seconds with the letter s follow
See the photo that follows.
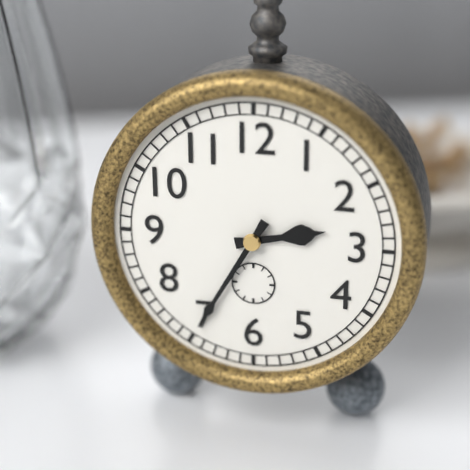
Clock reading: 2h35
